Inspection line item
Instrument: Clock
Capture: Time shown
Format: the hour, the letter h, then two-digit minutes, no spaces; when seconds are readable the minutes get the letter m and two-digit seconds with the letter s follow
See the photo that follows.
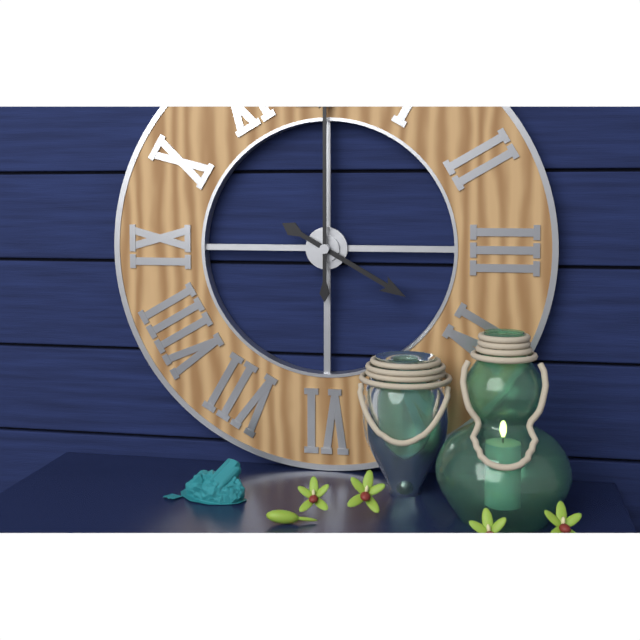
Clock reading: 4h00
